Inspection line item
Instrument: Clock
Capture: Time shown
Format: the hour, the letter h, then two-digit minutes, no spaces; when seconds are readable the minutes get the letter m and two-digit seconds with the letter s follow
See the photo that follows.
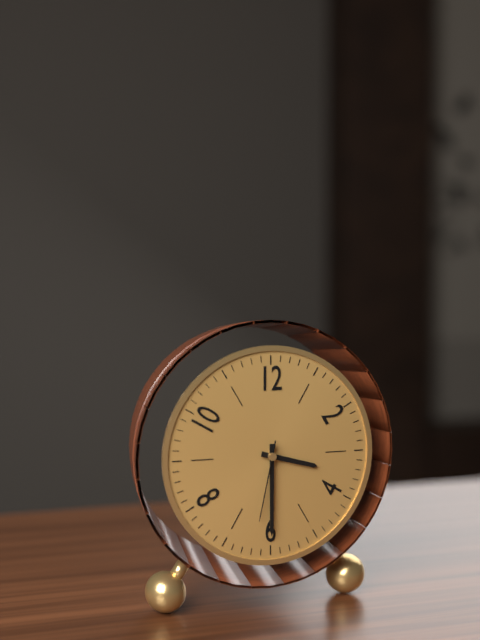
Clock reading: 3h30m32s
